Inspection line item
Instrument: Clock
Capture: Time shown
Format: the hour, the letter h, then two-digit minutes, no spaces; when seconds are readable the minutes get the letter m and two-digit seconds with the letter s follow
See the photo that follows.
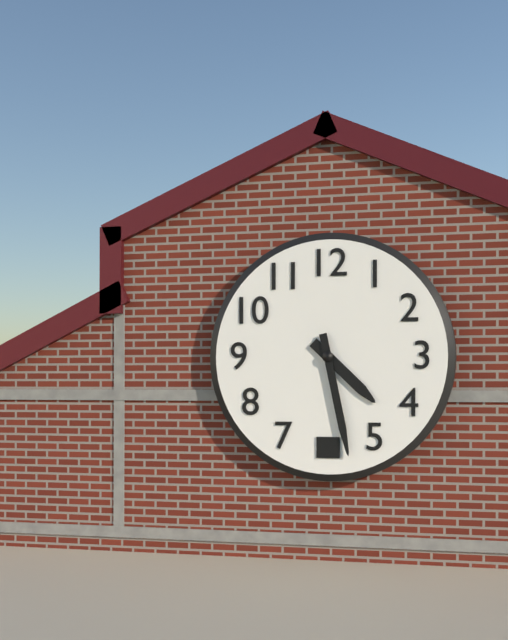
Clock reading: 4h28
